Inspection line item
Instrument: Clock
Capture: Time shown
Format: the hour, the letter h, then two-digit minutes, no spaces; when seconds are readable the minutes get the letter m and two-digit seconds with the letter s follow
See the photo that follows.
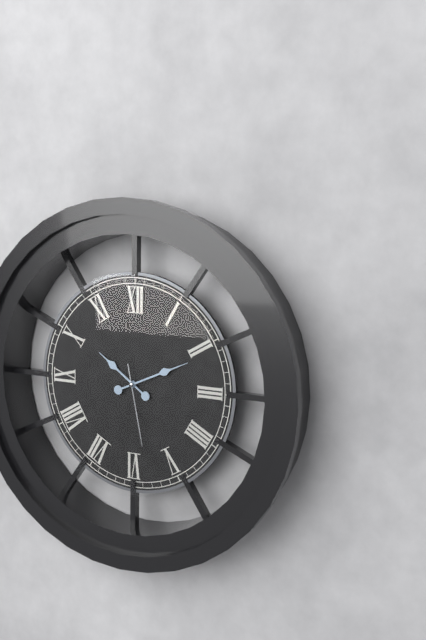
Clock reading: 10h11m28s
